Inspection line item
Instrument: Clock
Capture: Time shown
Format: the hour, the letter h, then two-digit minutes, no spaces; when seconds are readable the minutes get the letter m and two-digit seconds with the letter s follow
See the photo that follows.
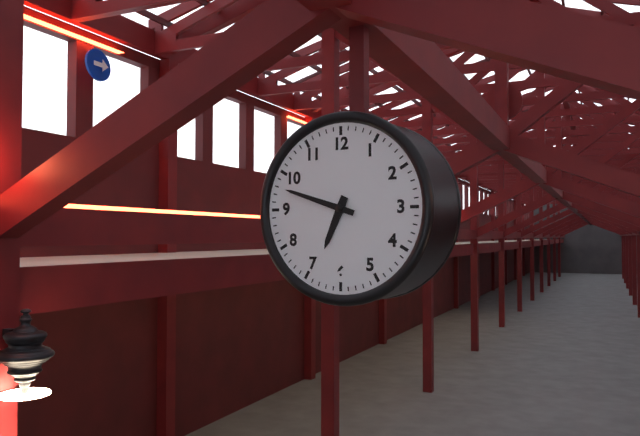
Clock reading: 6h48
